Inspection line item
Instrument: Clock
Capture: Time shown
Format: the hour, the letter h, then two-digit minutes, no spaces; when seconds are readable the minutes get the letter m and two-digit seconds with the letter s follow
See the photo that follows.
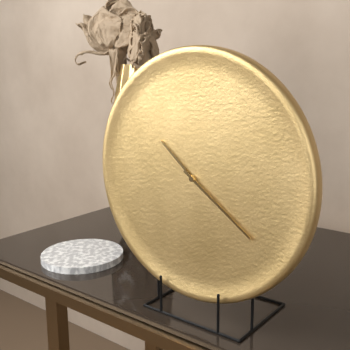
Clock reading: 10h21
